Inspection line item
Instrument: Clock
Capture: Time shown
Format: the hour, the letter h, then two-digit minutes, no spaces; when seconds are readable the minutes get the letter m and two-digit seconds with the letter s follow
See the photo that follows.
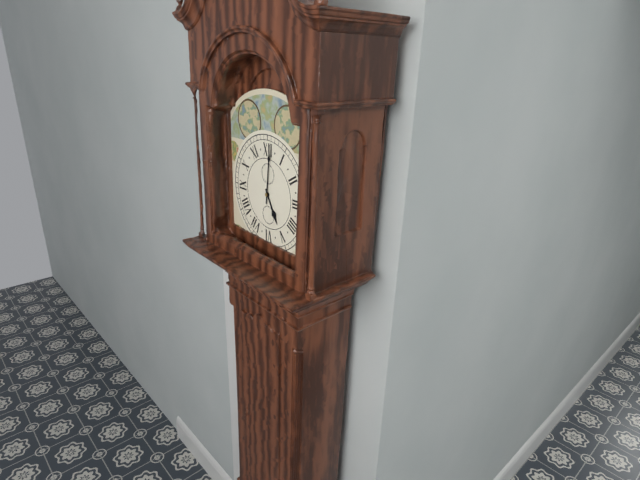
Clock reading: 5h01
